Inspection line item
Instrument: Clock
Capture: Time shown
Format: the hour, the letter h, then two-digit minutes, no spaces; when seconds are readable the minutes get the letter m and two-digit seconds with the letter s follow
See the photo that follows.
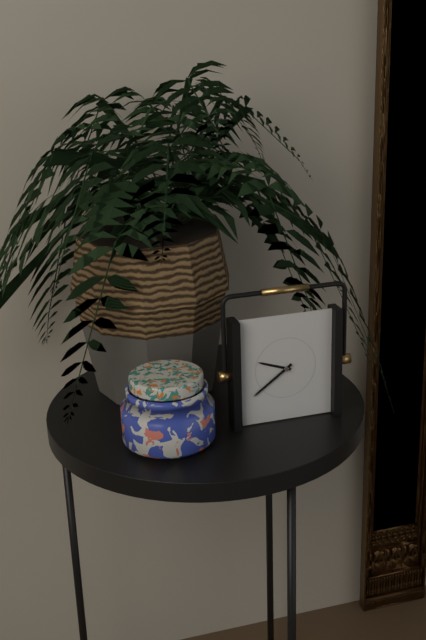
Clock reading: 9h39
